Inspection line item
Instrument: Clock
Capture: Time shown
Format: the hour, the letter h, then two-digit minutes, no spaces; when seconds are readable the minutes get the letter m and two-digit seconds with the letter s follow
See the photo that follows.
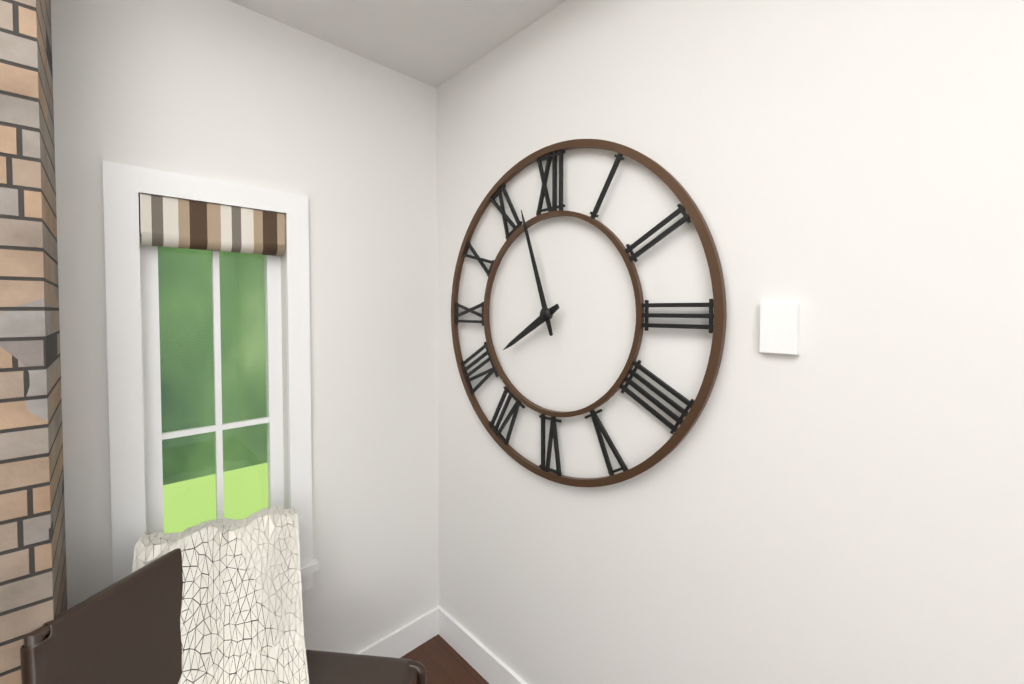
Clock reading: 7h57
